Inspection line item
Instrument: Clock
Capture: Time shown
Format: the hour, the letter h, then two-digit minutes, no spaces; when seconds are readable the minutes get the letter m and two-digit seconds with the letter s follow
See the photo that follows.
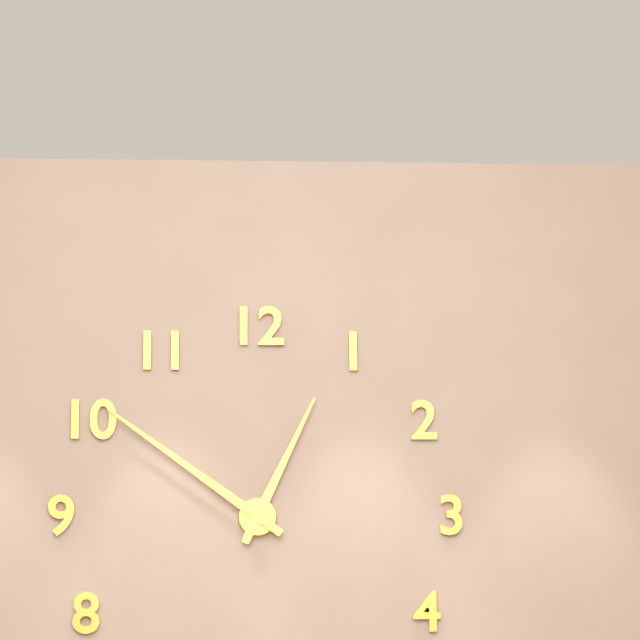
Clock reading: 12h51
